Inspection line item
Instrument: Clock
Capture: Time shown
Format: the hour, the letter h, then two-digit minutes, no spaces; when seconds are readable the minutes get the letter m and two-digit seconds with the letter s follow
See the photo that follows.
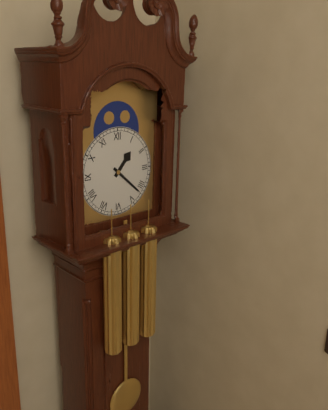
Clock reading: 1h22
